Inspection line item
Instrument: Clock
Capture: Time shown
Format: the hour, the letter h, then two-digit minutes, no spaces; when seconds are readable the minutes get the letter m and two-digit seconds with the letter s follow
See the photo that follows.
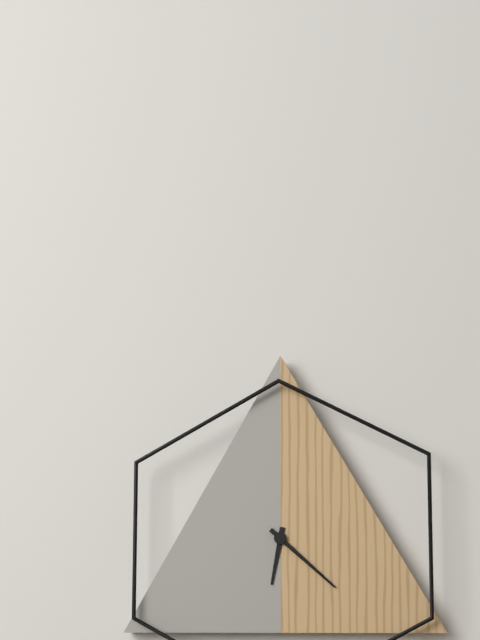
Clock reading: 6h22
